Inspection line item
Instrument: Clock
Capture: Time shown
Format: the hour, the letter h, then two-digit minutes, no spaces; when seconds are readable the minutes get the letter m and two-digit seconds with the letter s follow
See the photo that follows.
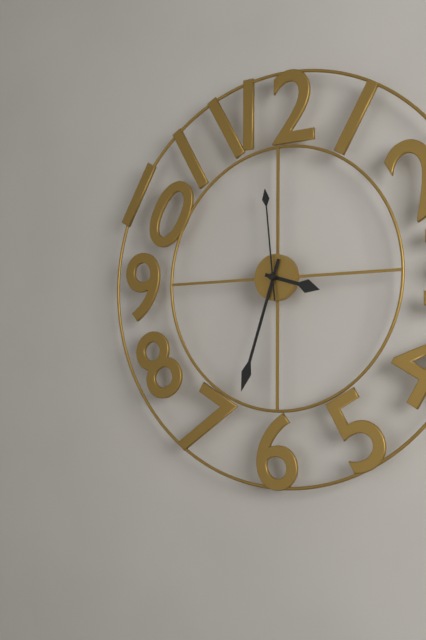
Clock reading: 3h33m59s
